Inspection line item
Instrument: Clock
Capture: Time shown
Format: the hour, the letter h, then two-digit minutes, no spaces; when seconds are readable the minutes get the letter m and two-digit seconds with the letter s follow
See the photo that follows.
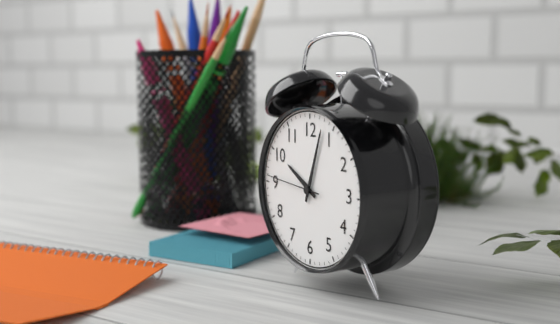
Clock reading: 10h03m46s
